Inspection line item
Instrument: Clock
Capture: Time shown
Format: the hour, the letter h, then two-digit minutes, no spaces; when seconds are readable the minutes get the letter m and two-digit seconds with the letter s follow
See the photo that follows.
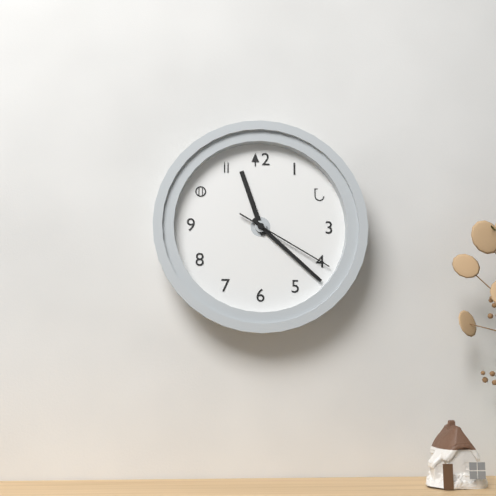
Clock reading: 11h22m20s
